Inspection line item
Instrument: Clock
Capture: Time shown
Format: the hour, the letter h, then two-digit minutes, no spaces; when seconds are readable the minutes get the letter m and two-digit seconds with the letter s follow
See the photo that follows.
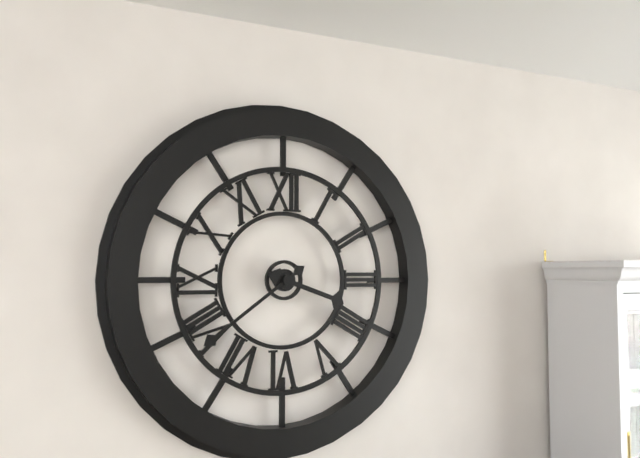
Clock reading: 3h39
